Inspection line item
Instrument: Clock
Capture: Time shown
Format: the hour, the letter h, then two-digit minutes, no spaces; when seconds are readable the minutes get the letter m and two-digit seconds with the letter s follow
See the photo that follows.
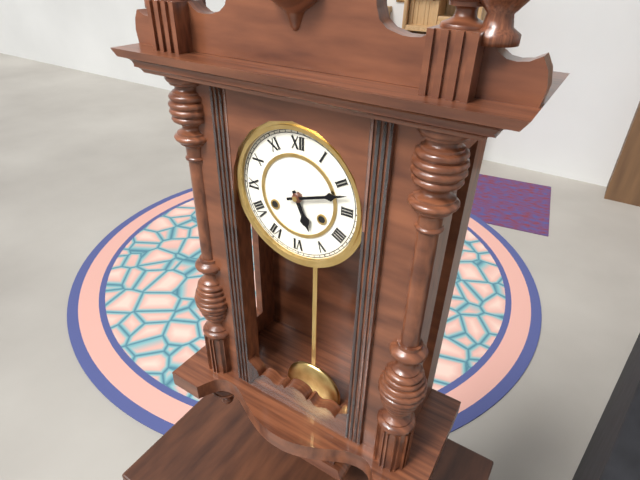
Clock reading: 5h12
